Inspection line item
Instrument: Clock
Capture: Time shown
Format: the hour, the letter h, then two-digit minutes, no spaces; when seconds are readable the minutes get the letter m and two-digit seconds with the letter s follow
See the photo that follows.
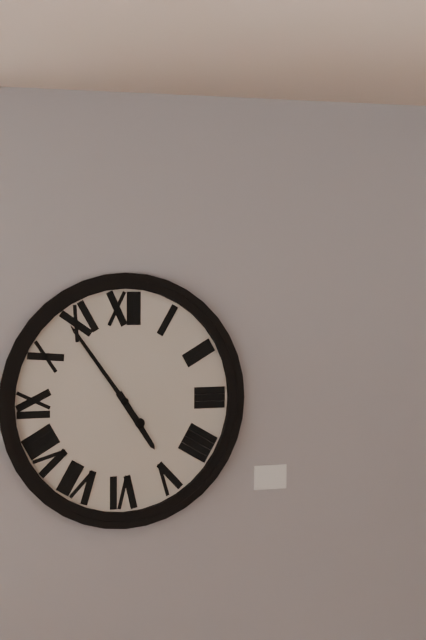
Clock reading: 4h54
